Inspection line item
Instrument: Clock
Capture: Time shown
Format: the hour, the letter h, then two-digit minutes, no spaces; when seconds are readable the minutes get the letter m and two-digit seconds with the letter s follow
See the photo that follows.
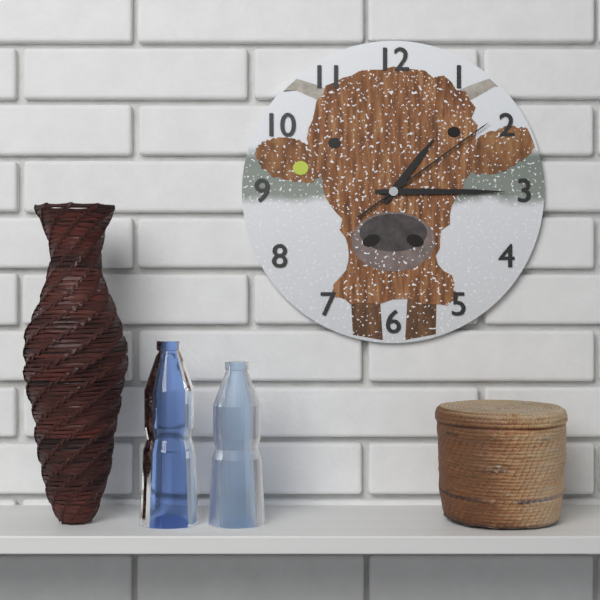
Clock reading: 1h15m09s
